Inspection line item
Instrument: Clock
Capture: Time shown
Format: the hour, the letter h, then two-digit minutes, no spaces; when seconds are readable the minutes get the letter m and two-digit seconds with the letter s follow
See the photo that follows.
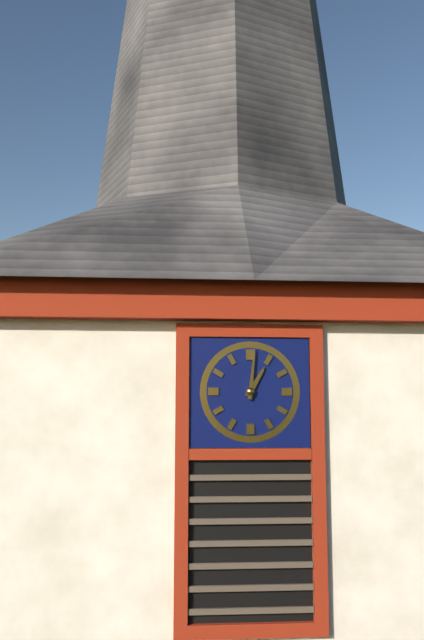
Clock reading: 1h01
